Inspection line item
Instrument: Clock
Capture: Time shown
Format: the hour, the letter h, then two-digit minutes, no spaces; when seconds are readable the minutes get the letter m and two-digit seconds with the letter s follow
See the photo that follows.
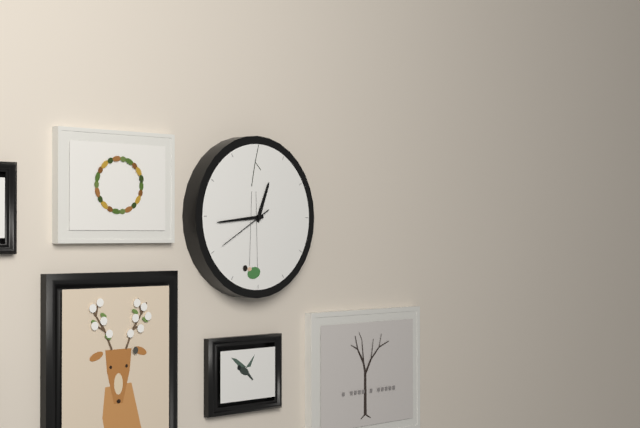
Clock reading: 12h44m40s
